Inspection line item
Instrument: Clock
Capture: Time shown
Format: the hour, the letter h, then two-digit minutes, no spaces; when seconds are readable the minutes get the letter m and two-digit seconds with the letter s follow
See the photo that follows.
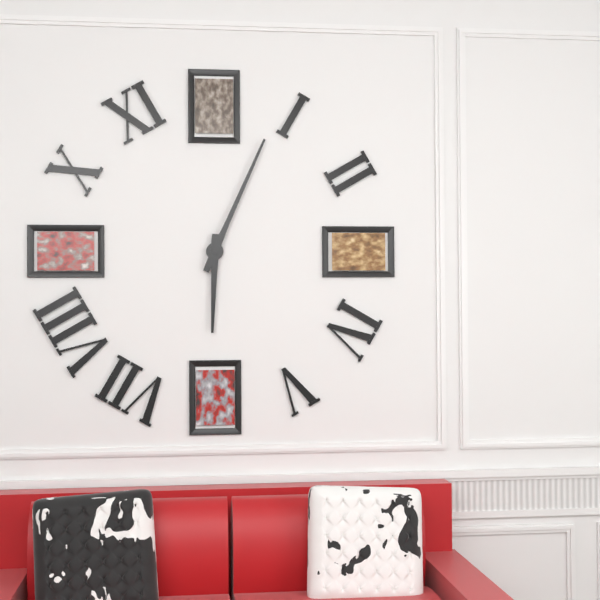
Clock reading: 6h04
